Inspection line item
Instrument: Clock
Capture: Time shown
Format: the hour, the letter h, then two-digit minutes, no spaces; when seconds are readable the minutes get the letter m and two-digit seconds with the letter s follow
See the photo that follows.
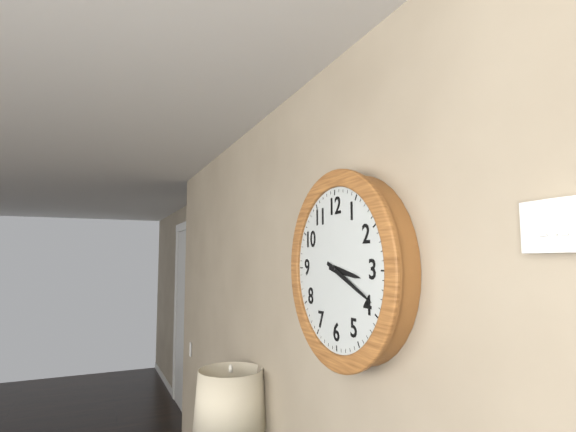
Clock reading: 3h19
